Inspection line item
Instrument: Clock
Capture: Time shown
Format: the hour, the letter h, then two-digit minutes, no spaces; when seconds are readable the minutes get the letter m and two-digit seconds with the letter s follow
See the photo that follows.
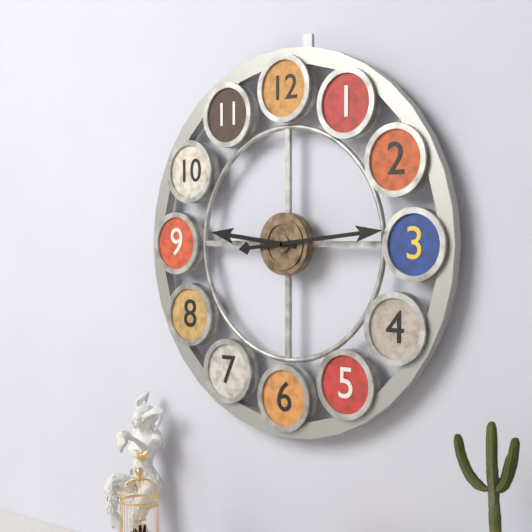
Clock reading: 9h14
